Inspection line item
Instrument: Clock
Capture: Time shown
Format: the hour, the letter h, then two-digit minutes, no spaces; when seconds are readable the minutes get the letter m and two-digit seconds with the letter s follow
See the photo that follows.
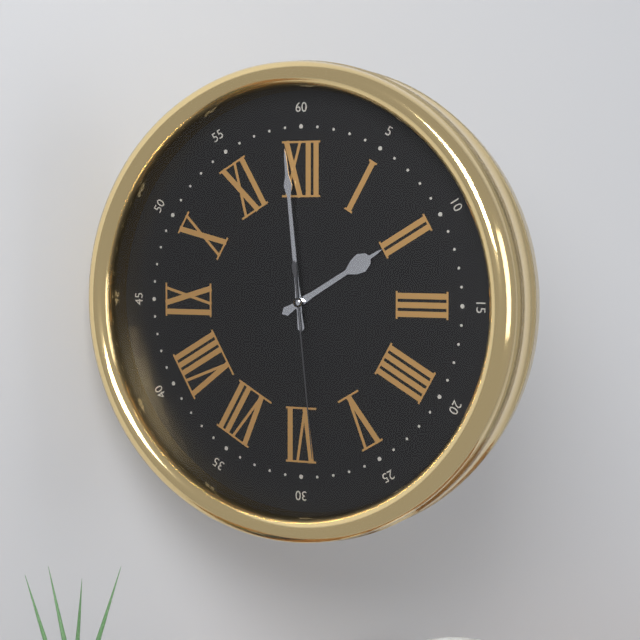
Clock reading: 1h59m29s
